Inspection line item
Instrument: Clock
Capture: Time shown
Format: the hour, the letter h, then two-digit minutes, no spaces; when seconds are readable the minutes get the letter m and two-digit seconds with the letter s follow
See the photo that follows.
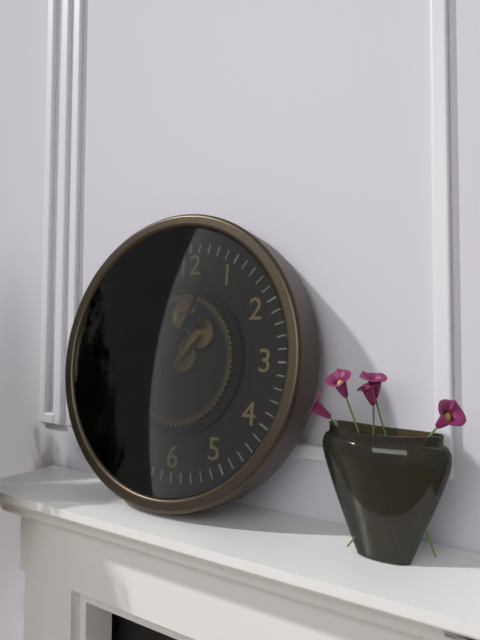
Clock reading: 1h04
